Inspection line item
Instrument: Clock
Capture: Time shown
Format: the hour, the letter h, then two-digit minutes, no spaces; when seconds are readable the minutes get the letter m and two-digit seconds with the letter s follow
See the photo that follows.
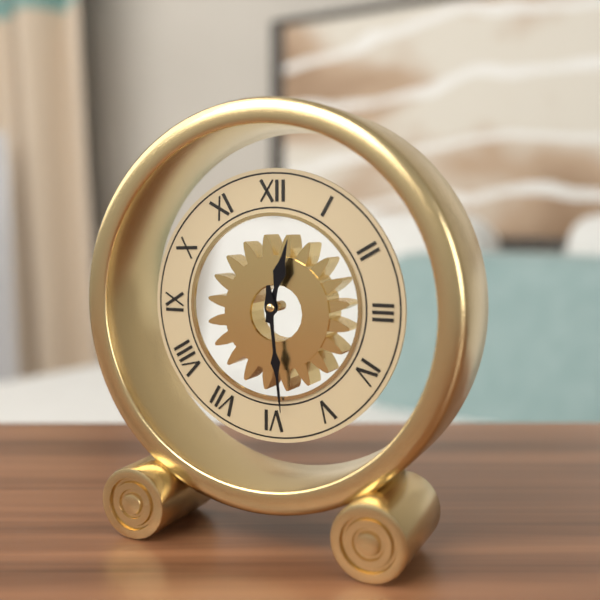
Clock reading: 12h29
